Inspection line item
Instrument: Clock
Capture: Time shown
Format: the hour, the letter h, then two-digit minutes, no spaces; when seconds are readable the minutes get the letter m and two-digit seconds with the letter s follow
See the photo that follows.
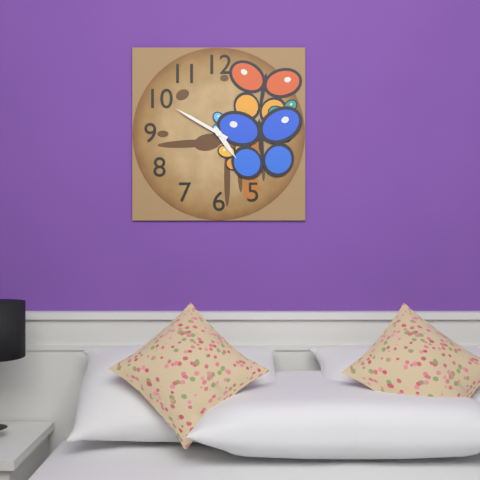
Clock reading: 4h50
